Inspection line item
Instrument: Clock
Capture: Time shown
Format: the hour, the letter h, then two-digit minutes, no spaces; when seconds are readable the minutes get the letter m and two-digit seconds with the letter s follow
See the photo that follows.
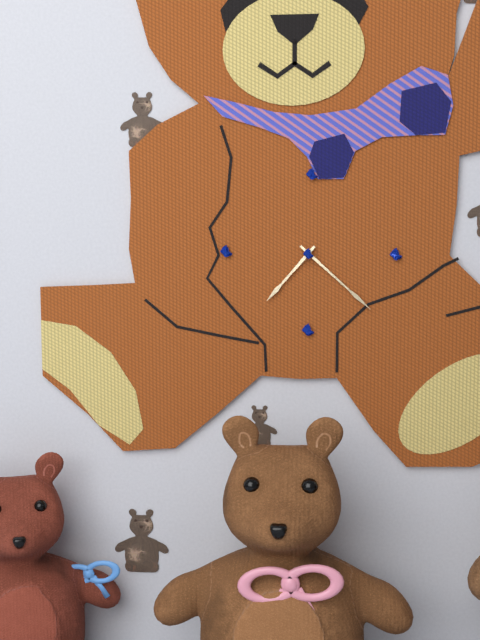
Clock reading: 7h22
